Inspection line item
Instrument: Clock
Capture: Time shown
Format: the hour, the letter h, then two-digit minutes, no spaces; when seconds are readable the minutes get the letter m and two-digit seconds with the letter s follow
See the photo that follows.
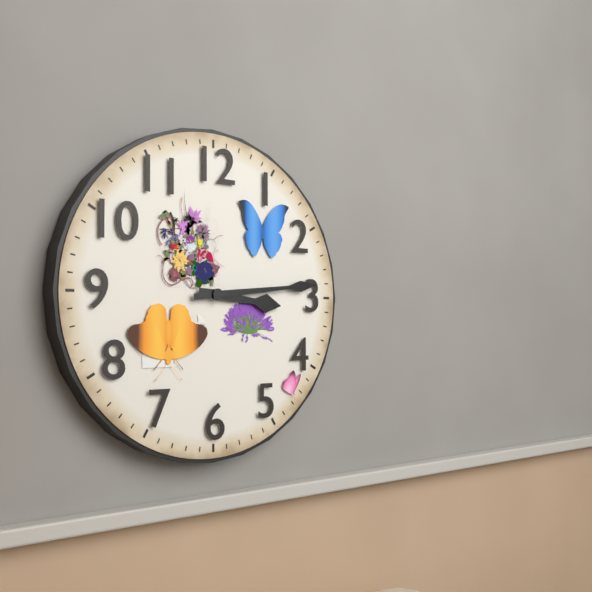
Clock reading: 3h14
